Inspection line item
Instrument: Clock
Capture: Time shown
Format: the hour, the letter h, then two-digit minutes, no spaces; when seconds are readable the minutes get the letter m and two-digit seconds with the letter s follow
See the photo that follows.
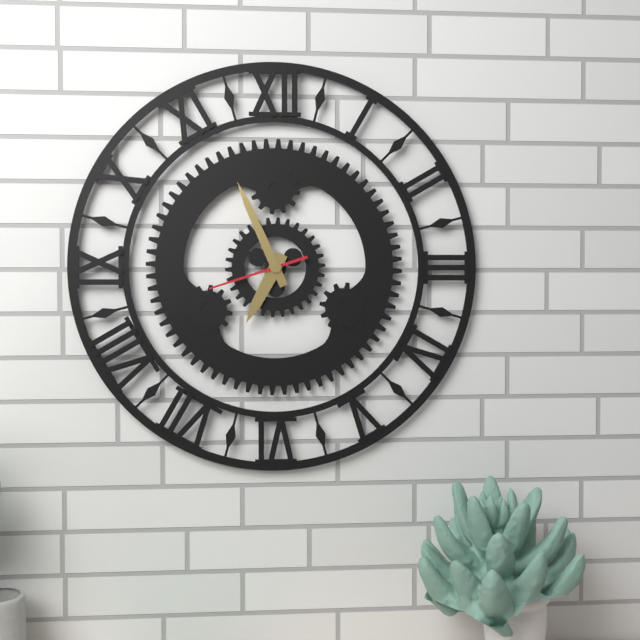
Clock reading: 6h56m42s
